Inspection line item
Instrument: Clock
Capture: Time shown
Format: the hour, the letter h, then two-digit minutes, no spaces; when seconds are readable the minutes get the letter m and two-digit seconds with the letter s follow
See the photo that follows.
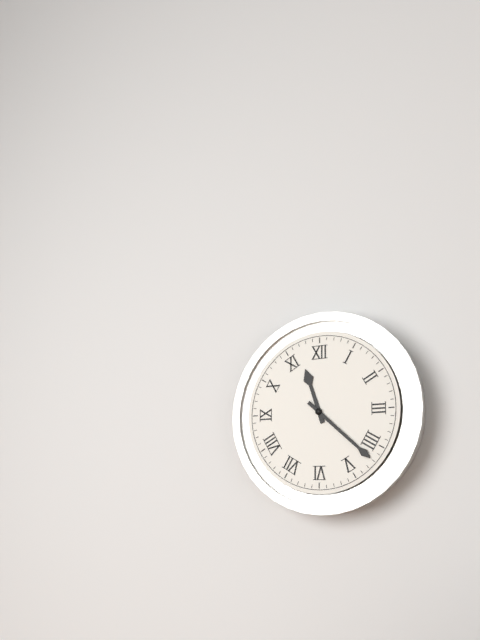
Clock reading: 11h22
